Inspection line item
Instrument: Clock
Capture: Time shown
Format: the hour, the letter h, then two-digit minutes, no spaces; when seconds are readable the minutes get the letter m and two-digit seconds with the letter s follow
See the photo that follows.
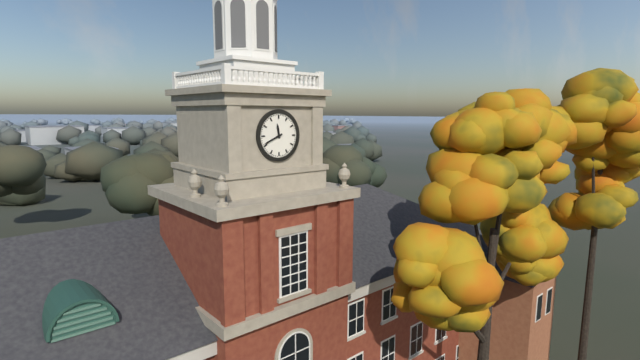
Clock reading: 11h41
